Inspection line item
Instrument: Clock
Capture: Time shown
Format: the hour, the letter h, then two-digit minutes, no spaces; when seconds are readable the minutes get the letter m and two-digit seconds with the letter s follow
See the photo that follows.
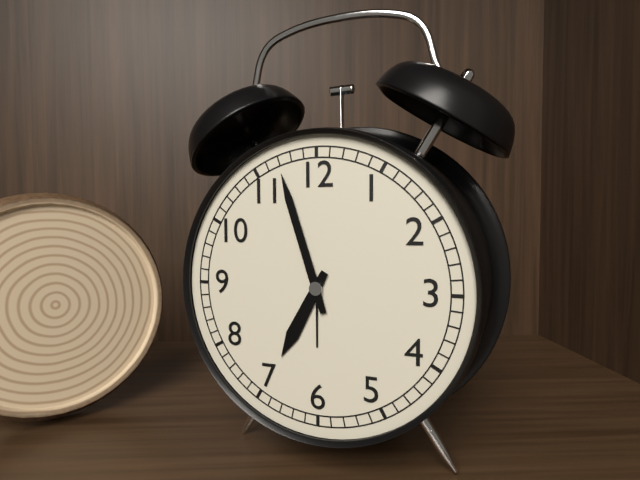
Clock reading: 6h57
